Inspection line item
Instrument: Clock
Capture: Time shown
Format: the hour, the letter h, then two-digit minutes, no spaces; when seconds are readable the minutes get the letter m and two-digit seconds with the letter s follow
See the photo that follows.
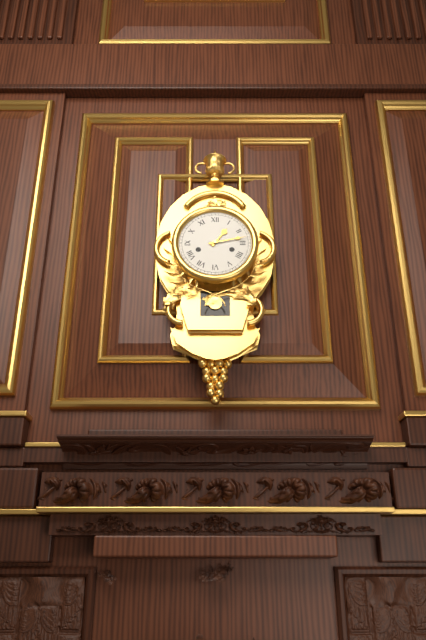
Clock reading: 1h13
